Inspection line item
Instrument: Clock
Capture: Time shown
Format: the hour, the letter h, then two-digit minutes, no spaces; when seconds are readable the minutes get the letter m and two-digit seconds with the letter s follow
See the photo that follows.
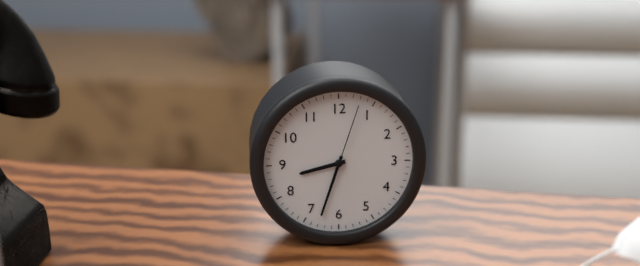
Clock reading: 8h33m03s
